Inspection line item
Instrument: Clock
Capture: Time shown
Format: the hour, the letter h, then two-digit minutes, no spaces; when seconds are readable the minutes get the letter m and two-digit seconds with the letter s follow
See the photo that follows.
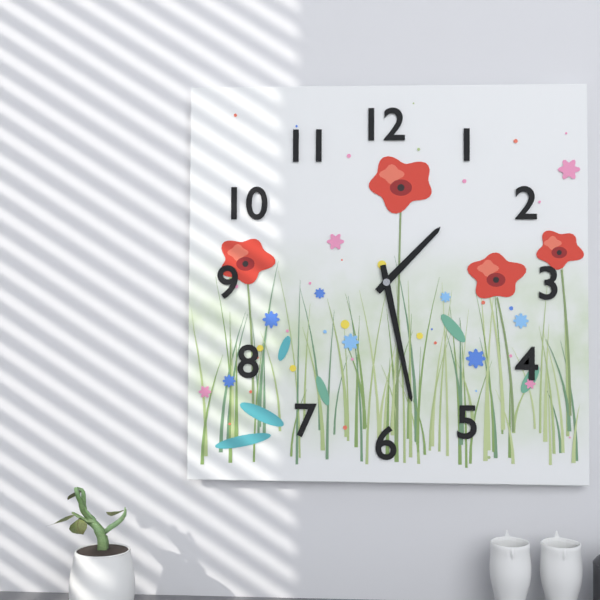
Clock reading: 1h28
